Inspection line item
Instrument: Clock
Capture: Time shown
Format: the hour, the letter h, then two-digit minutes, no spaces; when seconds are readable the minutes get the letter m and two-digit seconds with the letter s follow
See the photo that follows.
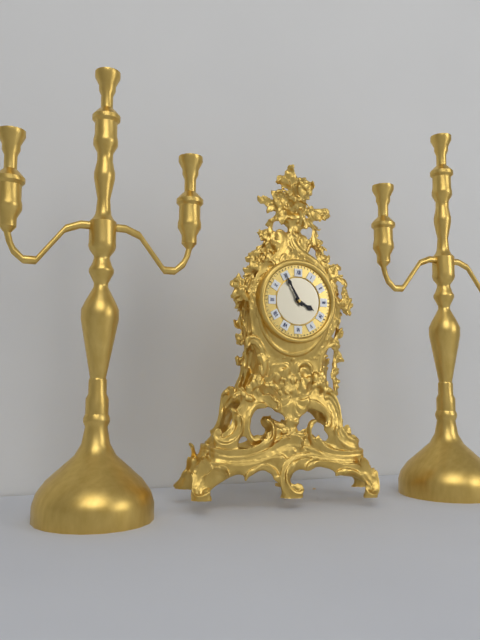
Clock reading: 3h55
